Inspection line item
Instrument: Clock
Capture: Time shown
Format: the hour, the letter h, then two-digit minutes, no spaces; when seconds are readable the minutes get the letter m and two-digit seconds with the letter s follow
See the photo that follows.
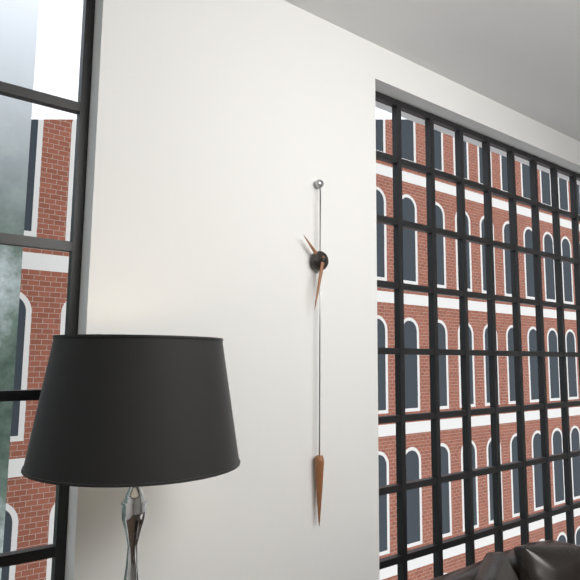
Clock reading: 10h32
